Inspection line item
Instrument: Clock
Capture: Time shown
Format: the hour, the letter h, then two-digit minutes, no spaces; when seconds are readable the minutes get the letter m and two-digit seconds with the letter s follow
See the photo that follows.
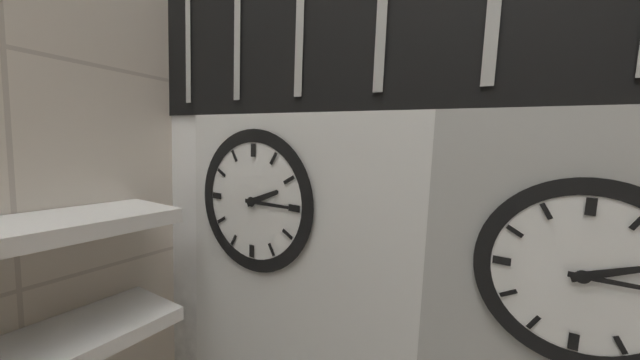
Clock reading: 2h15
